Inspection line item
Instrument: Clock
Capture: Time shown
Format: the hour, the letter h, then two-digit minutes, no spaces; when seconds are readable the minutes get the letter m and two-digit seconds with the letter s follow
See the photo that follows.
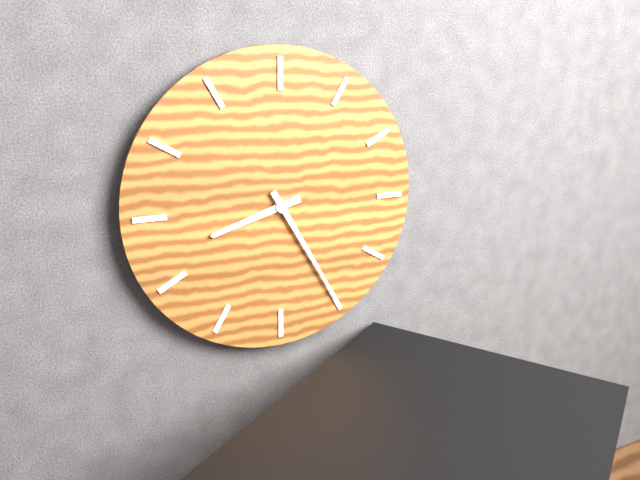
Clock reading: 8h25
